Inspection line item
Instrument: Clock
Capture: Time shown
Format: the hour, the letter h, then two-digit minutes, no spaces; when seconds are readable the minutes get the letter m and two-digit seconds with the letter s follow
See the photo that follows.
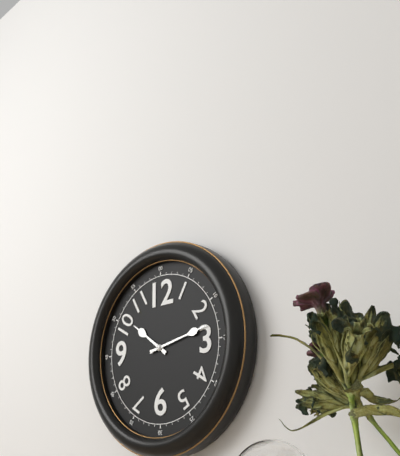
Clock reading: 10h13
